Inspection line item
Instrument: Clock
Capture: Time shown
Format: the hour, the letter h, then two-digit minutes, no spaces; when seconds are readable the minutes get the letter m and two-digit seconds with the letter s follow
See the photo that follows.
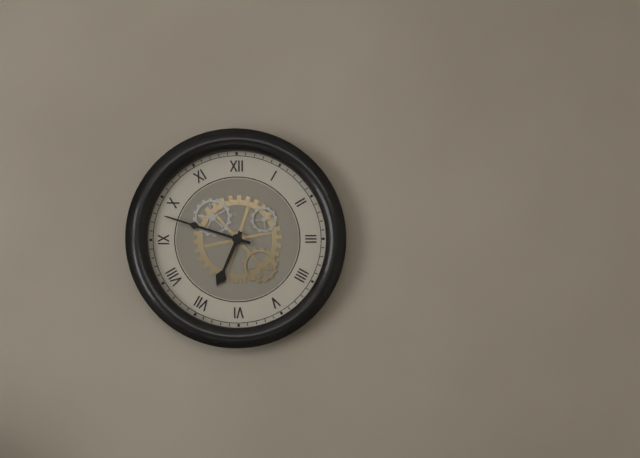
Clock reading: 6h48
